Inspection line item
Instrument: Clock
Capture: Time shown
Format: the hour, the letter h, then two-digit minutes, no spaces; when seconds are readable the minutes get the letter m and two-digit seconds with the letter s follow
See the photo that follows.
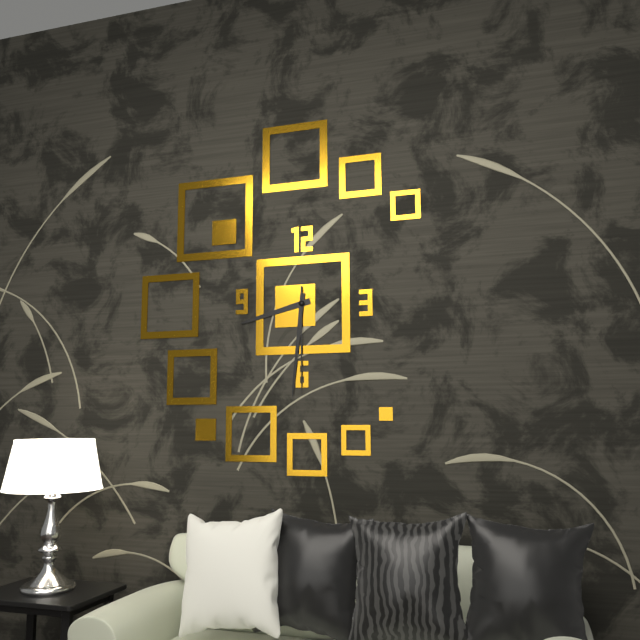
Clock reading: 8h31m30s
